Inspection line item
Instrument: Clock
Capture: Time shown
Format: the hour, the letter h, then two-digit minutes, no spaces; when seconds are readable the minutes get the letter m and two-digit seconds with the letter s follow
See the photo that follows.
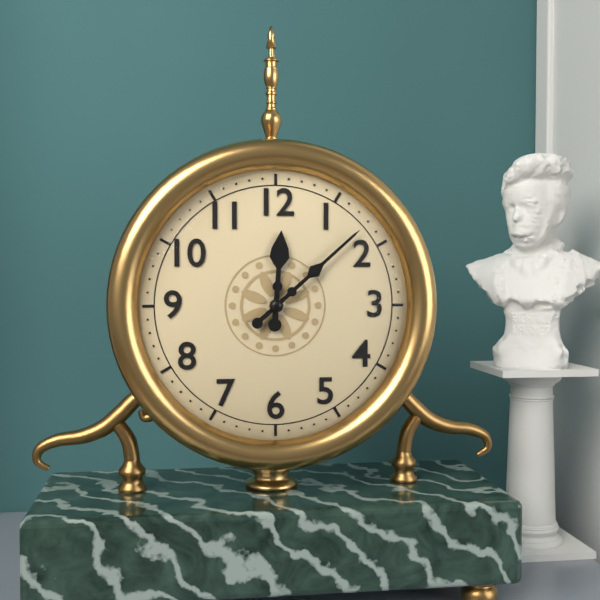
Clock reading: 12h08
